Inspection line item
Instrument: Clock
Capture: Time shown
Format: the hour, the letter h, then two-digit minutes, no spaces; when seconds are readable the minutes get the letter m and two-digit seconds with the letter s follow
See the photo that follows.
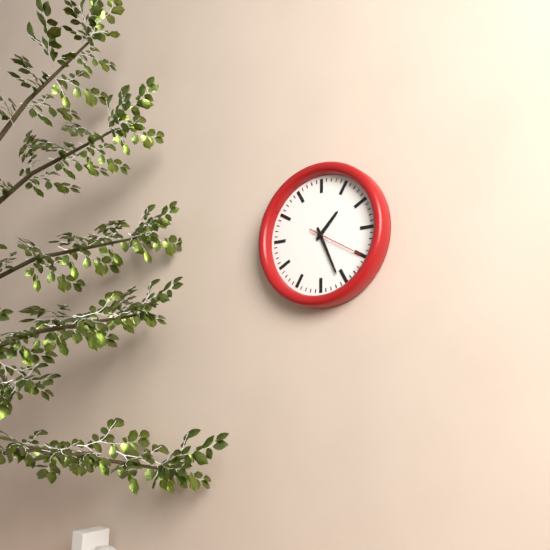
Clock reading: 1h26
